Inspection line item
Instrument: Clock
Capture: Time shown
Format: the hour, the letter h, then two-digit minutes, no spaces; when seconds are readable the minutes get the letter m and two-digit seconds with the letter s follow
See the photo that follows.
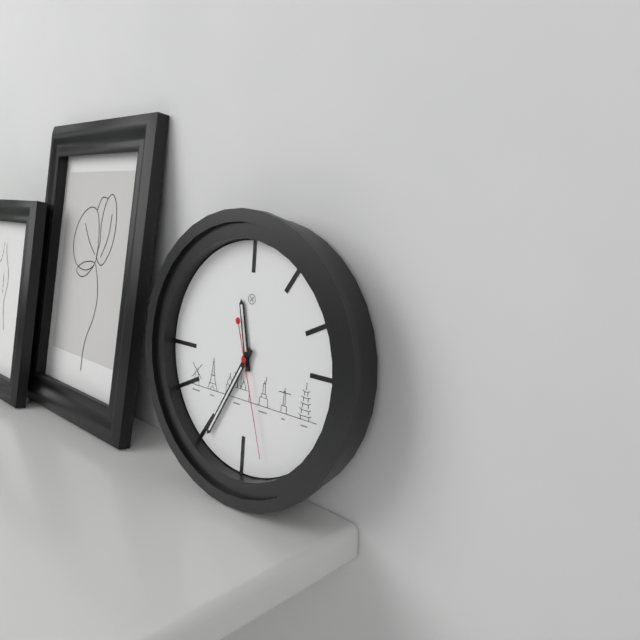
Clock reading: 11h35m27s
